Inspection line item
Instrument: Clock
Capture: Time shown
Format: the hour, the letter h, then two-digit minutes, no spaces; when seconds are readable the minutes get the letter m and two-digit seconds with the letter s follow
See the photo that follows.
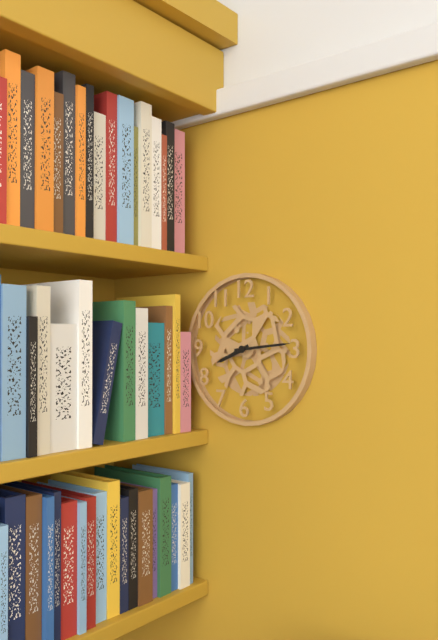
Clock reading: 8h14
